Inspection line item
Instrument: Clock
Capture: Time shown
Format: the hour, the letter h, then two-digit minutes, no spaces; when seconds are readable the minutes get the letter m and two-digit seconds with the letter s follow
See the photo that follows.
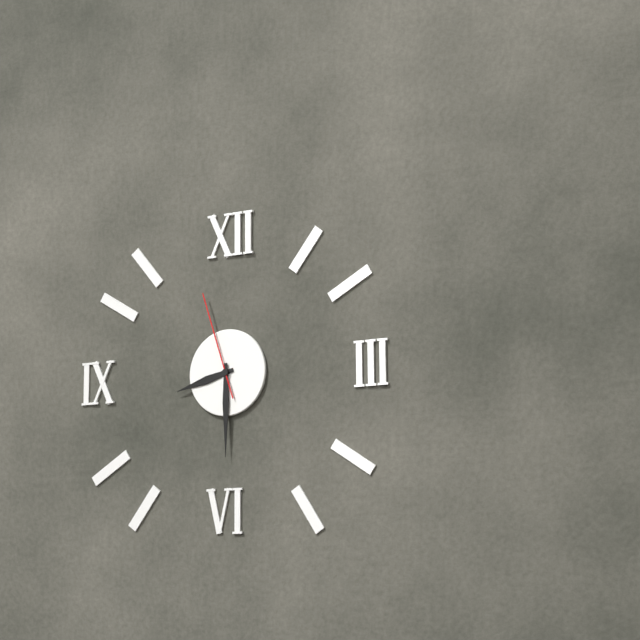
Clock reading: 8h30m57s
